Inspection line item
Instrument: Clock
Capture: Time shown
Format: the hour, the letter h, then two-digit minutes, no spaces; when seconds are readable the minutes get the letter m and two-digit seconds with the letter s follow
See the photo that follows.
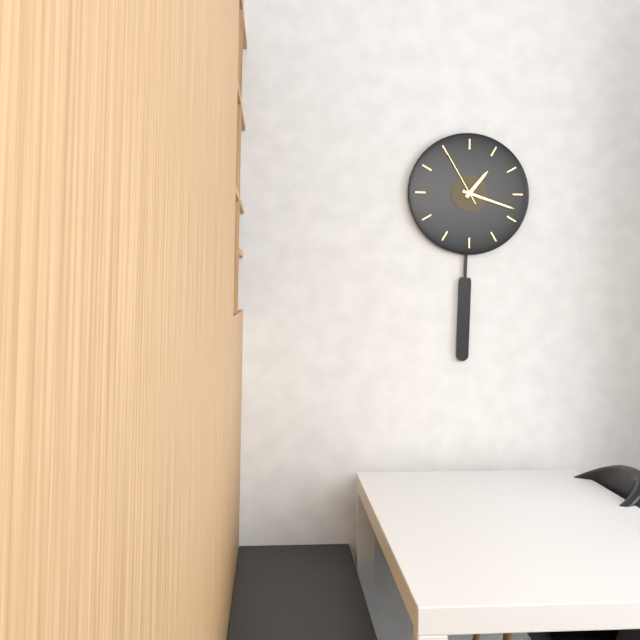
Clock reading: 1h18m55s
